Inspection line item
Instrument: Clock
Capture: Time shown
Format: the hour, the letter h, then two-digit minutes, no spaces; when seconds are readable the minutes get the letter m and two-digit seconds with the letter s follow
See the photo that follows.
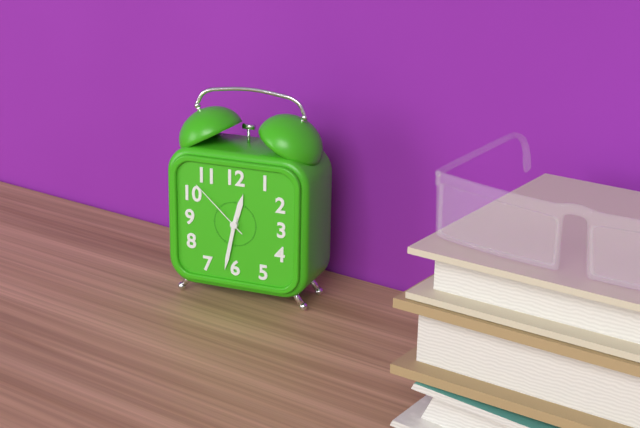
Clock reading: 12h32m52s
